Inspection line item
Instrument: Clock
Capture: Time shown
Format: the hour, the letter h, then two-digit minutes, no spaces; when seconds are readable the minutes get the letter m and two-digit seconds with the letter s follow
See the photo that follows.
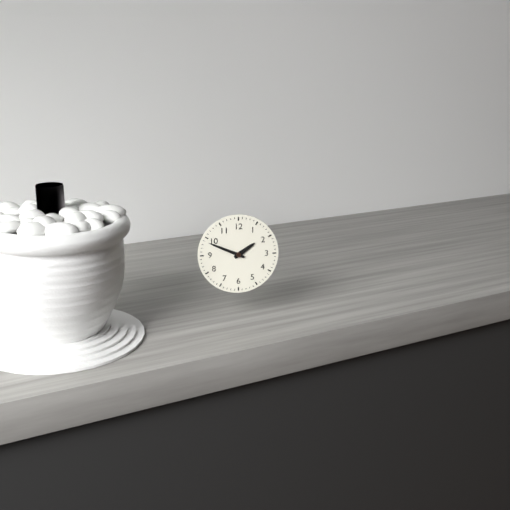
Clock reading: 1h49
